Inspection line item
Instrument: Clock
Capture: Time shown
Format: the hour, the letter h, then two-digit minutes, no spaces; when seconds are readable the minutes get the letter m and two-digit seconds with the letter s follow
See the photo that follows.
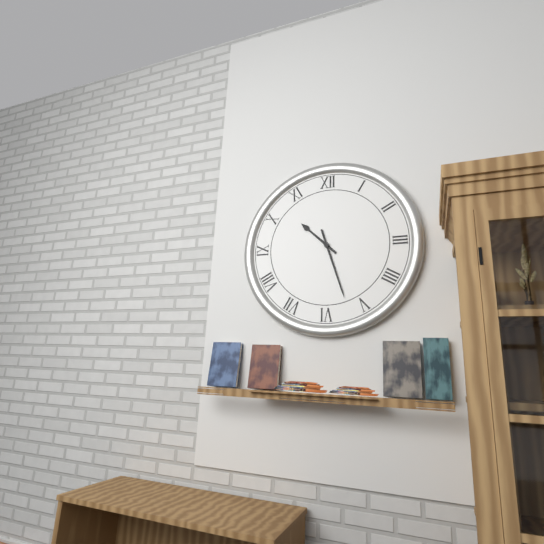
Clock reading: 10h27
